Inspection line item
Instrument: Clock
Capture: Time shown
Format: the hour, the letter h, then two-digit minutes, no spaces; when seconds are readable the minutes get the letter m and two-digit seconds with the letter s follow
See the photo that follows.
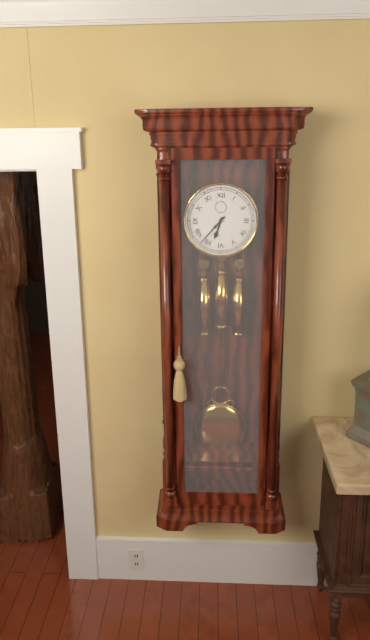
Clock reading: 6h37
